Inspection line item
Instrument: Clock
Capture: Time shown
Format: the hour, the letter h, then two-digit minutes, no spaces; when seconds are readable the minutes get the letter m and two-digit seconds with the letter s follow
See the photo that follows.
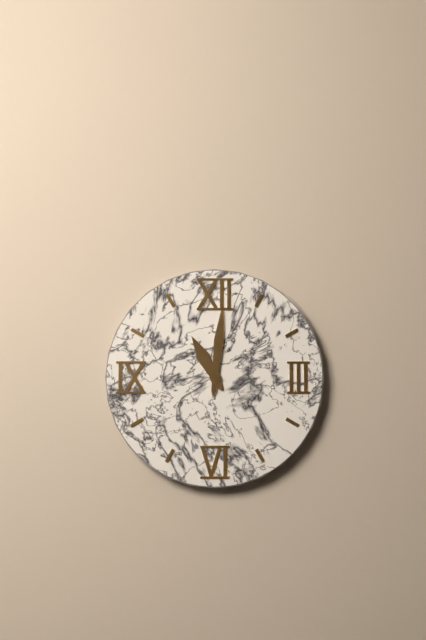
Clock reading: 11h01
